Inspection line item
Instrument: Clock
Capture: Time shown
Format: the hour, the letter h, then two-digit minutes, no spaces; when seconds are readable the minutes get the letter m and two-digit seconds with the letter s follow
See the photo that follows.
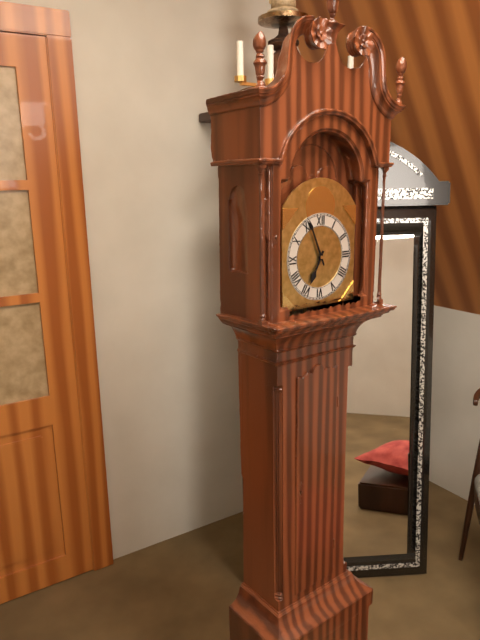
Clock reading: 6h56
